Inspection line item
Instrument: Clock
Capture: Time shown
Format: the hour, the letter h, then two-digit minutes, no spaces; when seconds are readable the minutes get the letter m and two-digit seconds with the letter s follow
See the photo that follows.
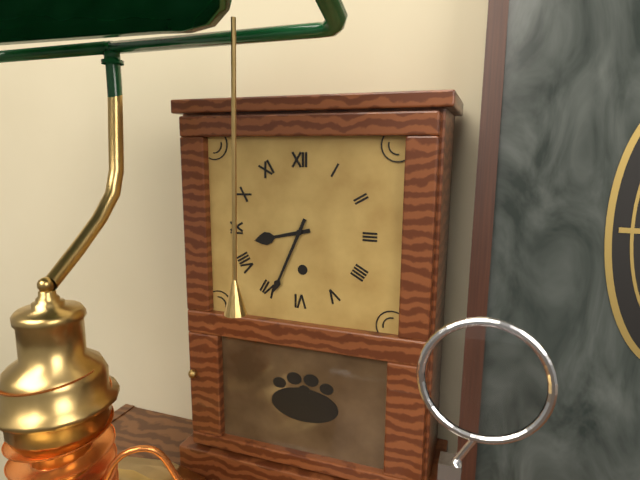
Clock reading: 8h34
